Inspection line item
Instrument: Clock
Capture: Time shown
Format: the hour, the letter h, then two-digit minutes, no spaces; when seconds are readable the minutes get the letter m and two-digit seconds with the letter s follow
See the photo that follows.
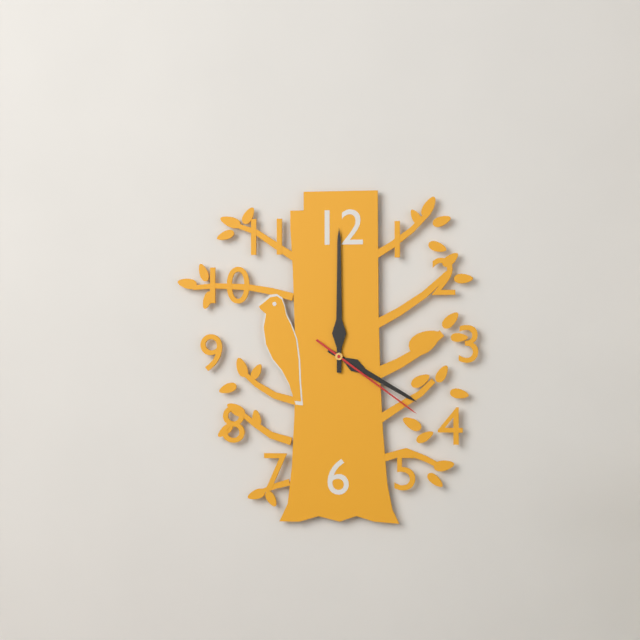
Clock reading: 4h00m21s
